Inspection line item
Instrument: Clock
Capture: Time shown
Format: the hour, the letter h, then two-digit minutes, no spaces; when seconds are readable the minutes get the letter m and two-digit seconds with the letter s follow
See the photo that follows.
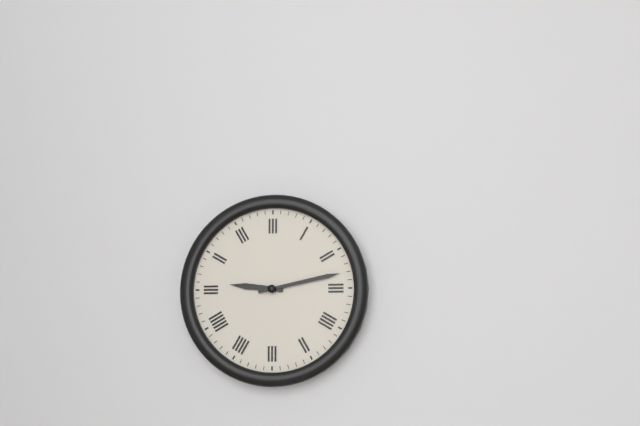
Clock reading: 9h13
